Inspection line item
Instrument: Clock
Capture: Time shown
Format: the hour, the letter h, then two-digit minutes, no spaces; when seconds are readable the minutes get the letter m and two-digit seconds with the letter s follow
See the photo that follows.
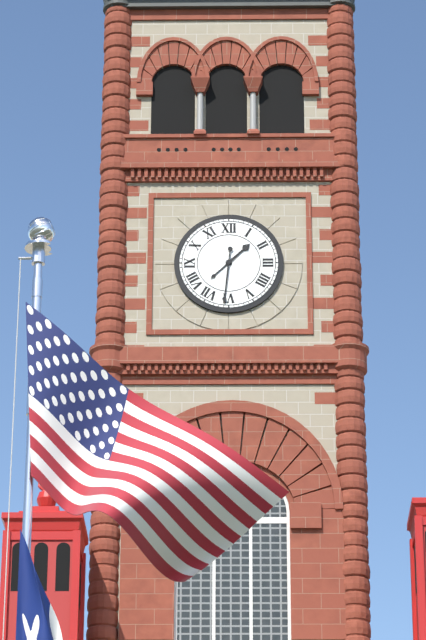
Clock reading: 1h31
